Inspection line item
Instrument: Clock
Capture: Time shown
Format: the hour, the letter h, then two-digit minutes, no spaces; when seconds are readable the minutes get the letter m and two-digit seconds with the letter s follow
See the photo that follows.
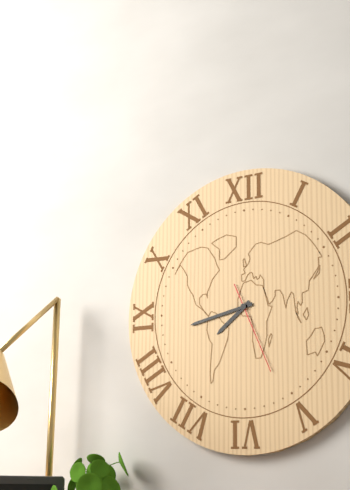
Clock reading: 7h43m26s
